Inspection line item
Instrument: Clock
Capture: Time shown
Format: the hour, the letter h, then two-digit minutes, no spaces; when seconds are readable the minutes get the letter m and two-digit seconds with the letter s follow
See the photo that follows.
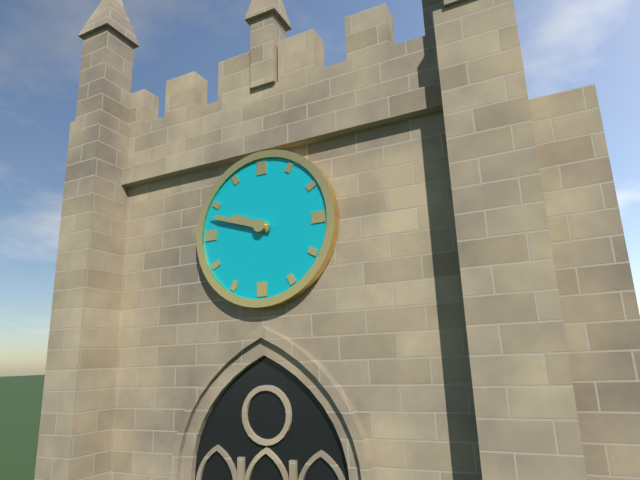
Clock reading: 9h48
